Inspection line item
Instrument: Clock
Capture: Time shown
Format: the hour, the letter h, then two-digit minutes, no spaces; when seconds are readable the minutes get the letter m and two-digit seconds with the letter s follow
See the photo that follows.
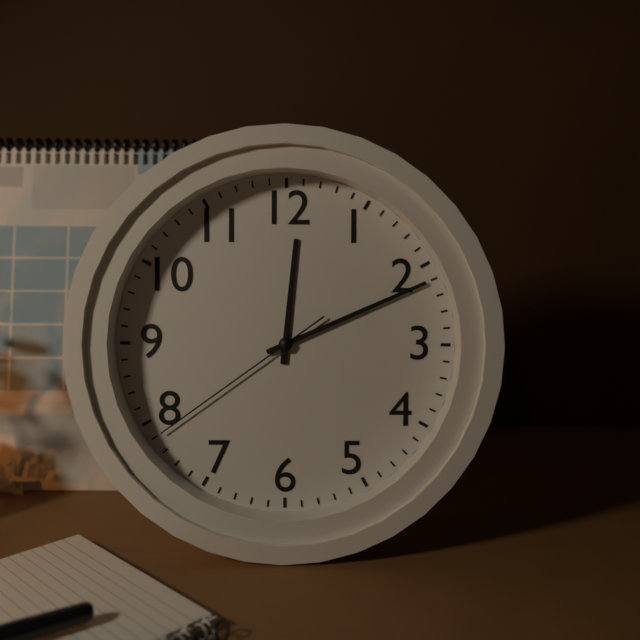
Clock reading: 12h11m39s
